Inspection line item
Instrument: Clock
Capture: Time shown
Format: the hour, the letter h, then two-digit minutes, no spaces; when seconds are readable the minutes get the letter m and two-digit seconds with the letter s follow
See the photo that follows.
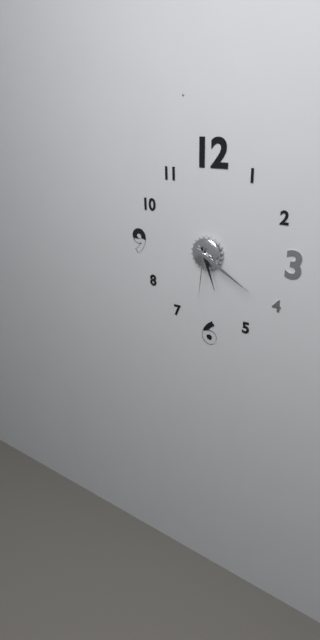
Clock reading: 5h20m31s
